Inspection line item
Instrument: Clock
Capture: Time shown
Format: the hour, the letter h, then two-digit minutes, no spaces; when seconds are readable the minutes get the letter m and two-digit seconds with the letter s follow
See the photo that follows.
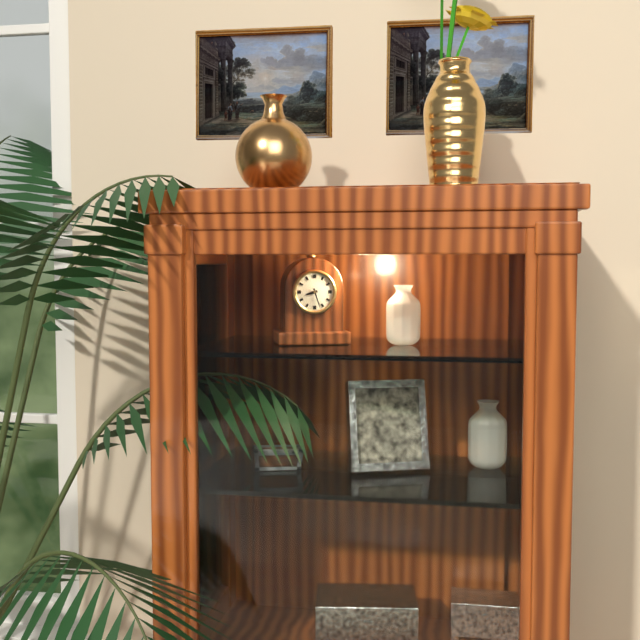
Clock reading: 8h27
